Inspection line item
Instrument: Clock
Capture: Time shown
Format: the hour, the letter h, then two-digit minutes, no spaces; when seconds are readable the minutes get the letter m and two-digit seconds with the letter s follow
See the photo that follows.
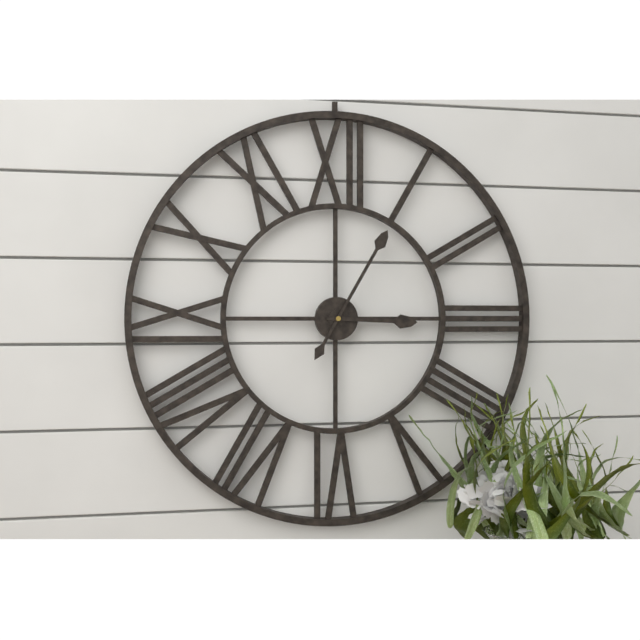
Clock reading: 3h05
